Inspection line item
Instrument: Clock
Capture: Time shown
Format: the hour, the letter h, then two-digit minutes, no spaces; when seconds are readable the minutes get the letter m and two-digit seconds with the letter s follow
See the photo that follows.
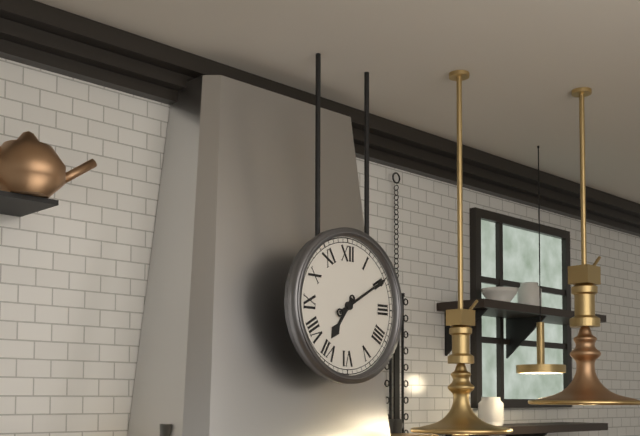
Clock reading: 7h10
